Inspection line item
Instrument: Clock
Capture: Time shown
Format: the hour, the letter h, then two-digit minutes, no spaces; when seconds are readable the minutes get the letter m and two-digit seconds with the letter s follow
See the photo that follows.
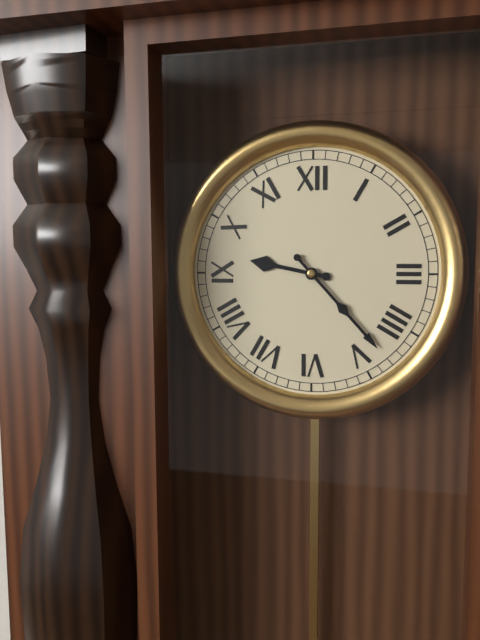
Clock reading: 9h23
